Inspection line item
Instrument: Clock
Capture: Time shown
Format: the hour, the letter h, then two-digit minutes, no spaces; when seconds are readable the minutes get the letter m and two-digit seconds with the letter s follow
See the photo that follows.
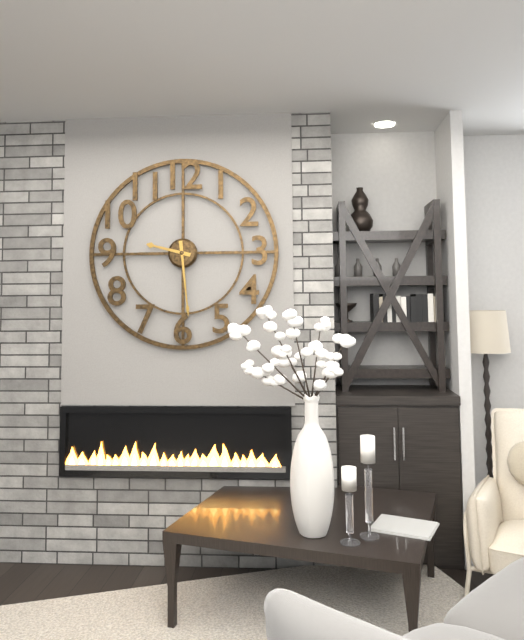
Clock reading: 9h29
